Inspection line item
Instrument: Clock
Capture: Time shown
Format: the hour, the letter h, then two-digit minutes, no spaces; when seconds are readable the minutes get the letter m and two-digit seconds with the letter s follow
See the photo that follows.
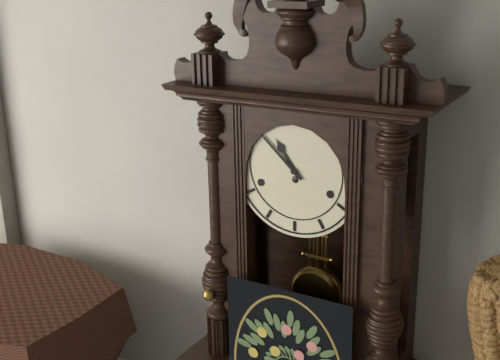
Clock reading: 10h52
